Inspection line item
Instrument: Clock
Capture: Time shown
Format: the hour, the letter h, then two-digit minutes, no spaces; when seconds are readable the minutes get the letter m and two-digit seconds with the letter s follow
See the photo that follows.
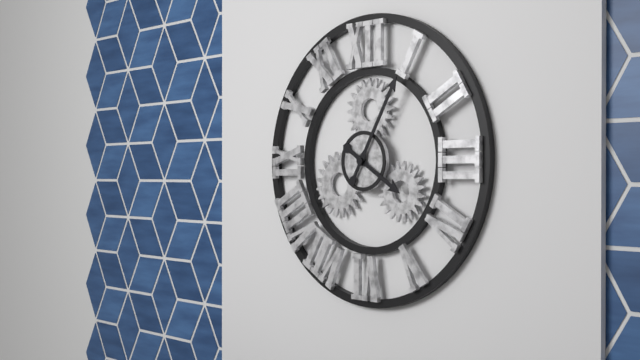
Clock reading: 4h05
